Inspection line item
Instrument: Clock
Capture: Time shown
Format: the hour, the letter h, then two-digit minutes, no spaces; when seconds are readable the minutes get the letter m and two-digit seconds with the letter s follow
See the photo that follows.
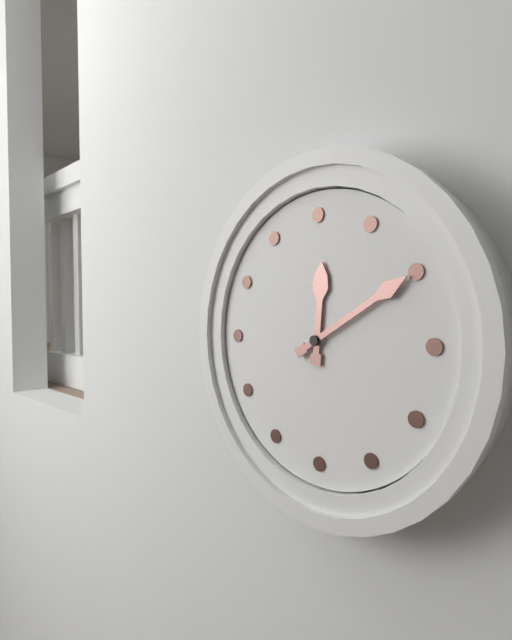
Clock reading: 12h10
